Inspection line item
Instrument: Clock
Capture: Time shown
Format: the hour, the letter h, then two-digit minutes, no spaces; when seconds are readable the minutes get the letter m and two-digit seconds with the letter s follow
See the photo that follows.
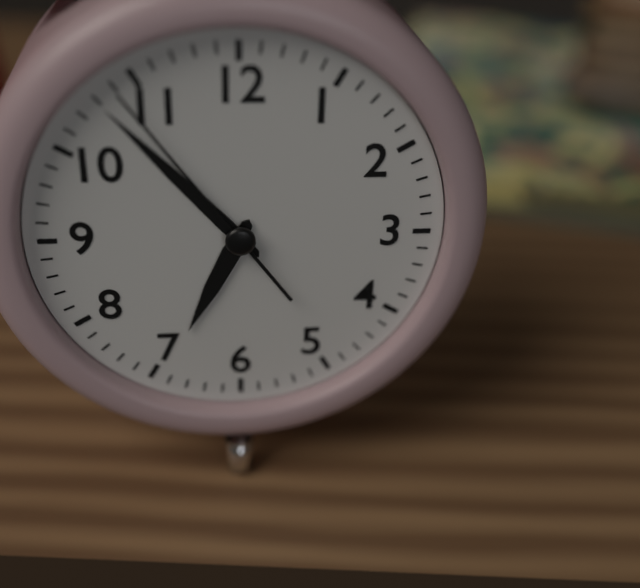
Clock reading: 6h53m54s
